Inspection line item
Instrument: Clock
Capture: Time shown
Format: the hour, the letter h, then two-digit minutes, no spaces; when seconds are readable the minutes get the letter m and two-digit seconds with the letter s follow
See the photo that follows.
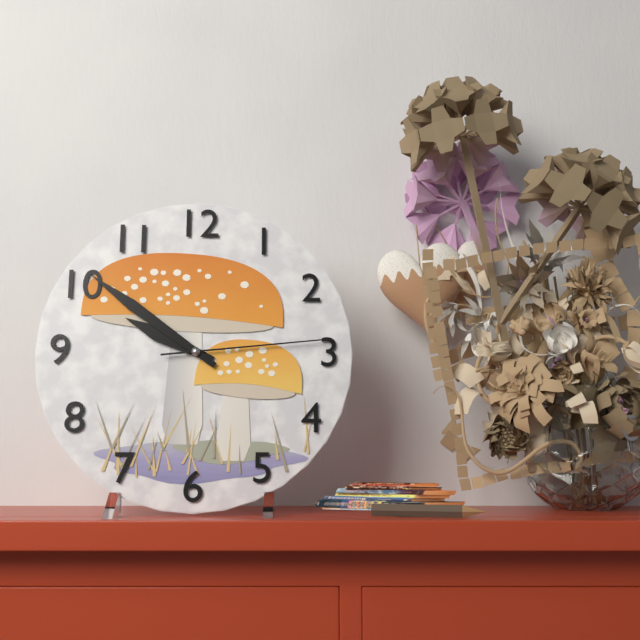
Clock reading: 9h51m14s
